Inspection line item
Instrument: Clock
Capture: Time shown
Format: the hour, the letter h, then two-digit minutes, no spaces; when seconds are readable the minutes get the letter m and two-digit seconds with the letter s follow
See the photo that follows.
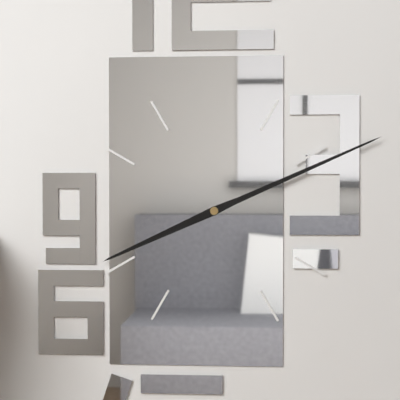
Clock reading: 8h11
